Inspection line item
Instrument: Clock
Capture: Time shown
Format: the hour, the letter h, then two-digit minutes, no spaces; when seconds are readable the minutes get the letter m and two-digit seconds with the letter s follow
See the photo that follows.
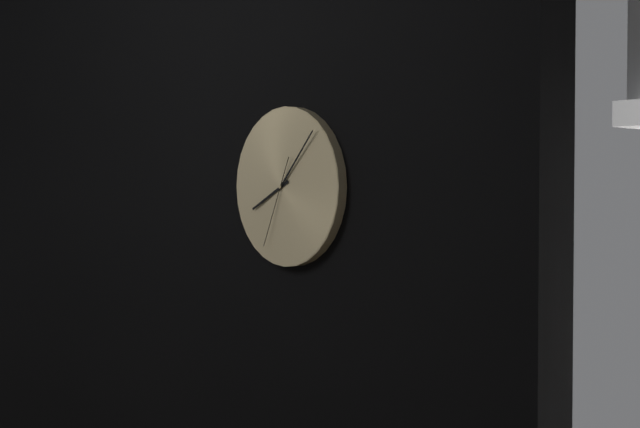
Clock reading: 8h07m34s
